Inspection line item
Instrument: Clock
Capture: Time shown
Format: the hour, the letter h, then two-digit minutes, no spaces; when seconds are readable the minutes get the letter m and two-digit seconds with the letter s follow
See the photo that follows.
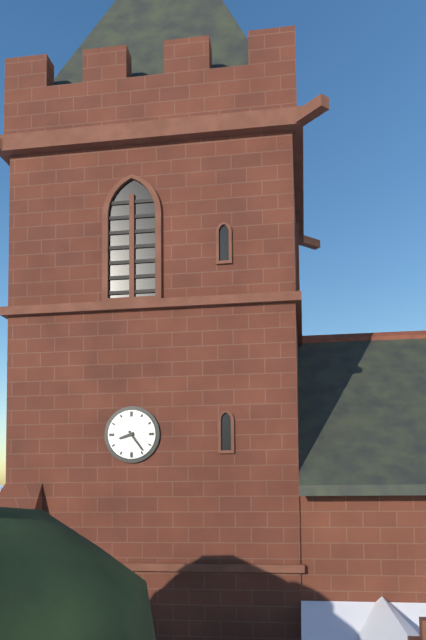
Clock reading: 8h24
